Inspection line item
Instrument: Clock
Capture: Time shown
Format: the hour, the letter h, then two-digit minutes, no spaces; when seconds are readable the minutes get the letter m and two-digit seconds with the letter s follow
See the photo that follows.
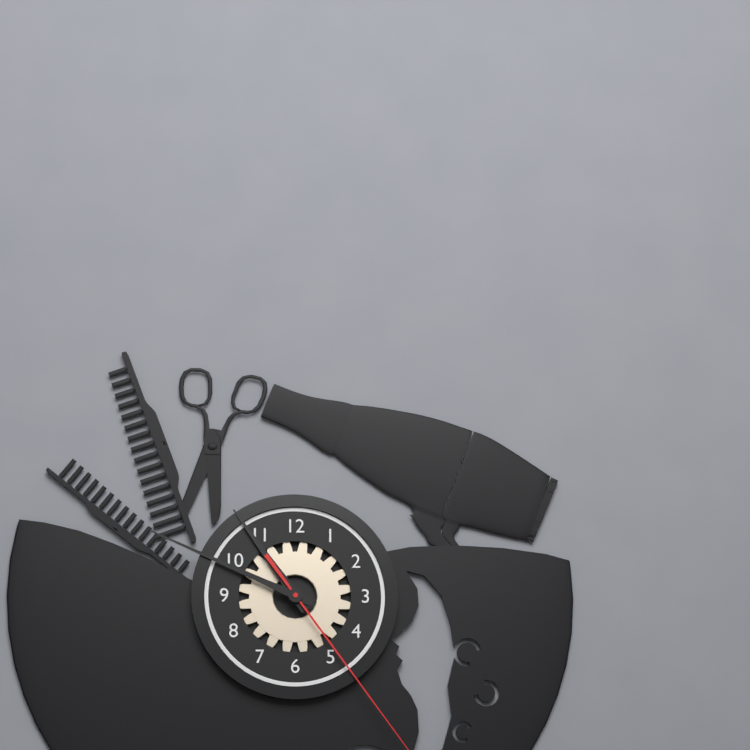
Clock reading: 10h49
